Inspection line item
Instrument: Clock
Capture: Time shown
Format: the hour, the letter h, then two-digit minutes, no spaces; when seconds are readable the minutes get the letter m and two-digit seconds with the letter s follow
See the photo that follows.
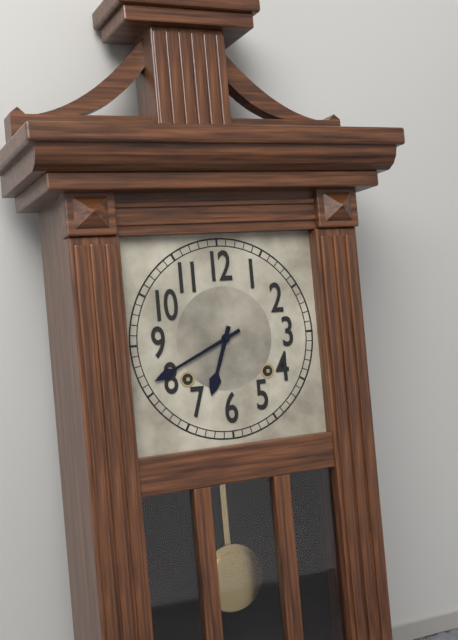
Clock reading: 6h41
